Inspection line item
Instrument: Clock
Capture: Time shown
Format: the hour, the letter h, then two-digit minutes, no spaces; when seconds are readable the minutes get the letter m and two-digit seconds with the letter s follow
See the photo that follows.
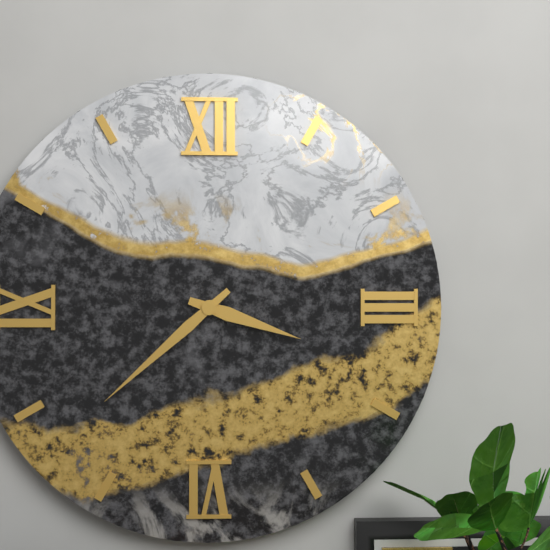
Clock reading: 3h38
